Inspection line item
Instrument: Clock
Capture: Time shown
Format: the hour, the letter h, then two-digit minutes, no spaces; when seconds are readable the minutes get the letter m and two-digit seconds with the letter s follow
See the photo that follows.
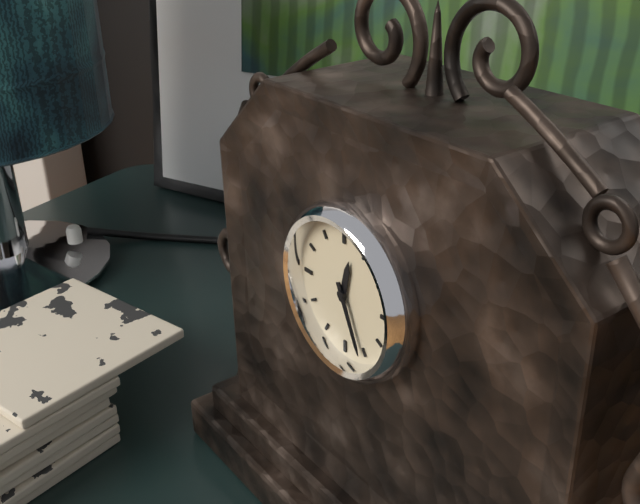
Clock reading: 12h26
